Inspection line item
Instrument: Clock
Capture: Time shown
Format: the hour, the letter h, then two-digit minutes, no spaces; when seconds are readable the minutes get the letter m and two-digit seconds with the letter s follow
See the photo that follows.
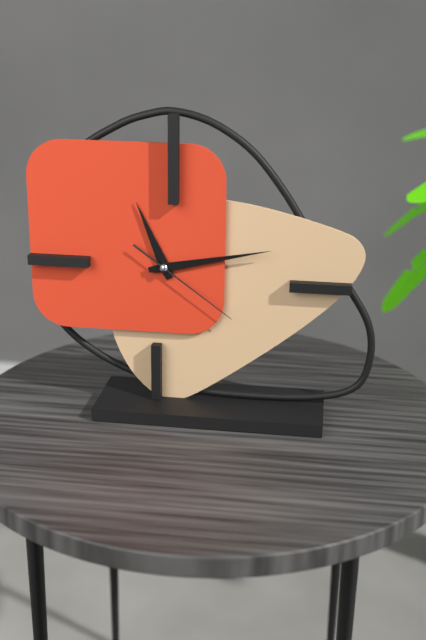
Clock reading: 11h13m21s
